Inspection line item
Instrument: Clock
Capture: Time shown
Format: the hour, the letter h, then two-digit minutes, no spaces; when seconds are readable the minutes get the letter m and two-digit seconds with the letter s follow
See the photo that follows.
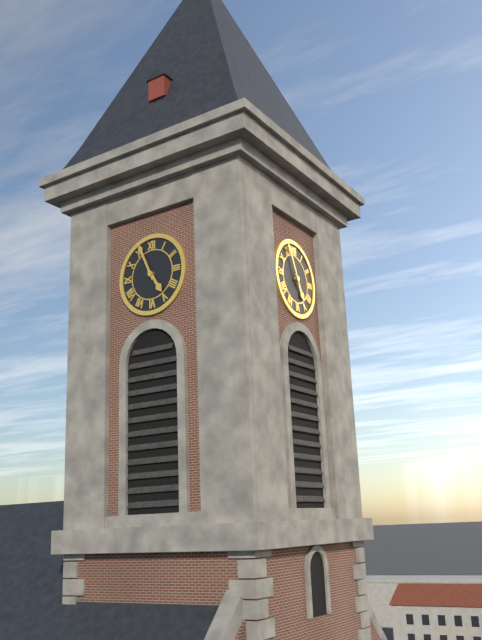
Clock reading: 4h56
